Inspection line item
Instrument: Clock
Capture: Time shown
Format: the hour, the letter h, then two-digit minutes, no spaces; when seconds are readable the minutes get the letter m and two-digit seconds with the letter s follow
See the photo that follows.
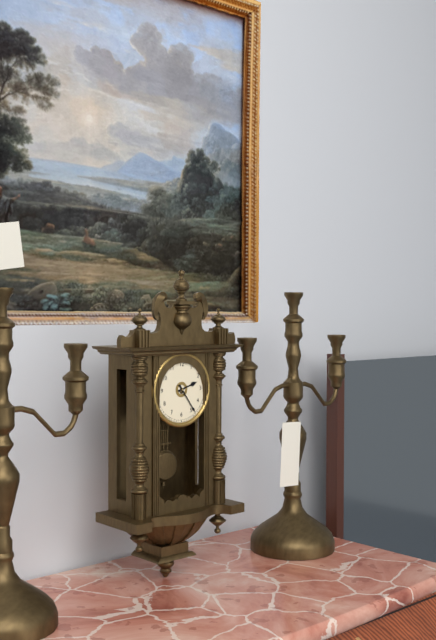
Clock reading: 2h24
